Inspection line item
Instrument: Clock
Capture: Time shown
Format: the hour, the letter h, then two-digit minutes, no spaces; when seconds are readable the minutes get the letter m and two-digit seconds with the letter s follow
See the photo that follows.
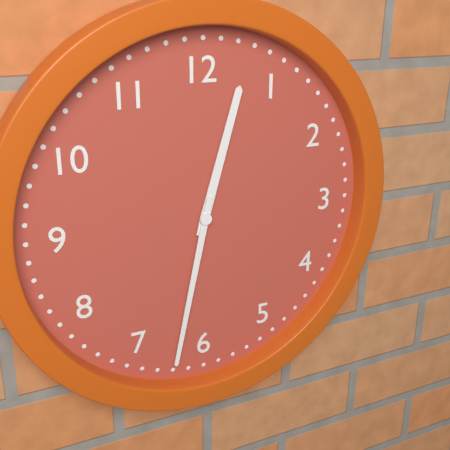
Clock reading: 12h32
